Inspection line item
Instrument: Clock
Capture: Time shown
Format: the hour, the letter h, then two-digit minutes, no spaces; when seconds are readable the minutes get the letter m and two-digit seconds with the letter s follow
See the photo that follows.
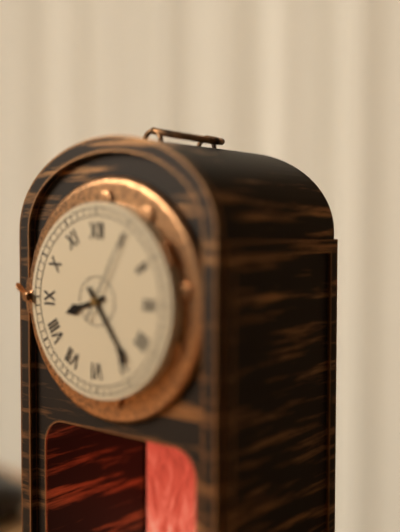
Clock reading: 8h24m05s
